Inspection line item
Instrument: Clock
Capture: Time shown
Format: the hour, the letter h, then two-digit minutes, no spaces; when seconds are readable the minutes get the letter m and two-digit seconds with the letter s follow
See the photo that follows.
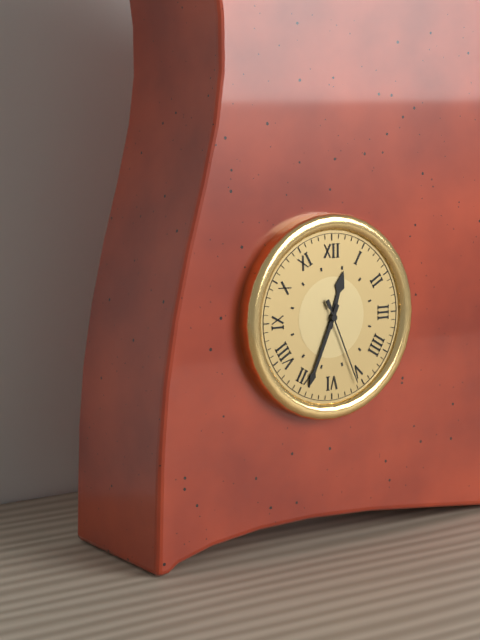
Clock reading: 12h34m26s
